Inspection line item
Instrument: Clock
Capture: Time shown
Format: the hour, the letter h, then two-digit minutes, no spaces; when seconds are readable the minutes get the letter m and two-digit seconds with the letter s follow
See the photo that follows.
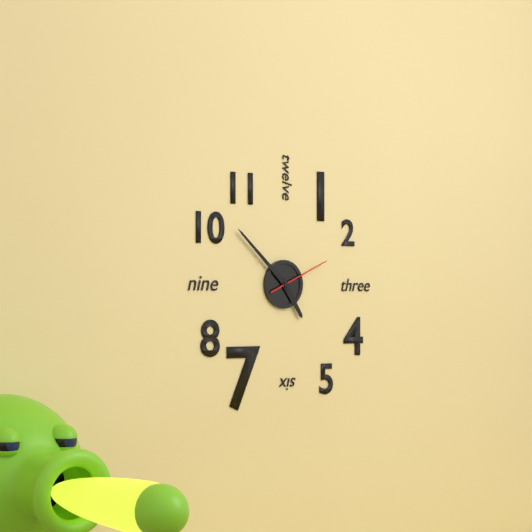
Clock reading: 4h52m11s
